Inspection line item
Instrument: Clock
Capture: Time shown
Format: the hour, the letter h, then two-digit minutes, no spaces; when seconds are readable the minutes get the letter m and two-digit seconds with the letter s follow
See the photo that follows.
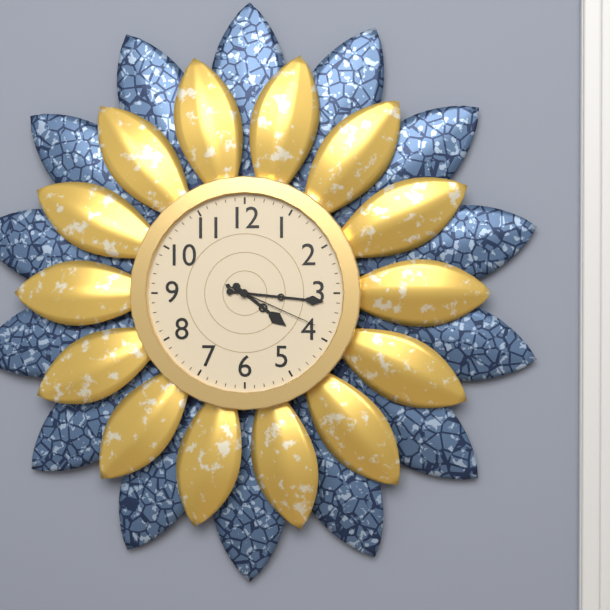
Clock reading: 4h16m19s
